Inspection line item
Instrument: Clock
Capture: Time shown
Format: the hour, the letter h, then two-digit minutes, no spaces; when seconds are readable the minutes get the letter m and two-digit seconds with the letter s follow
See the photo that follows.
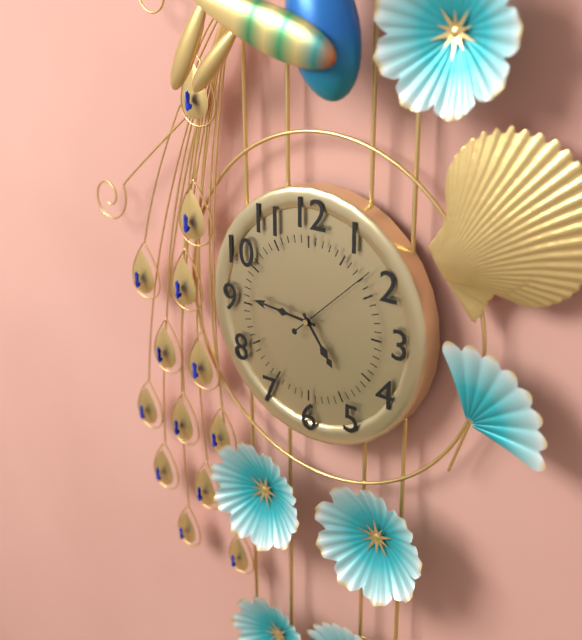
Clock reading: 4h46m08s
